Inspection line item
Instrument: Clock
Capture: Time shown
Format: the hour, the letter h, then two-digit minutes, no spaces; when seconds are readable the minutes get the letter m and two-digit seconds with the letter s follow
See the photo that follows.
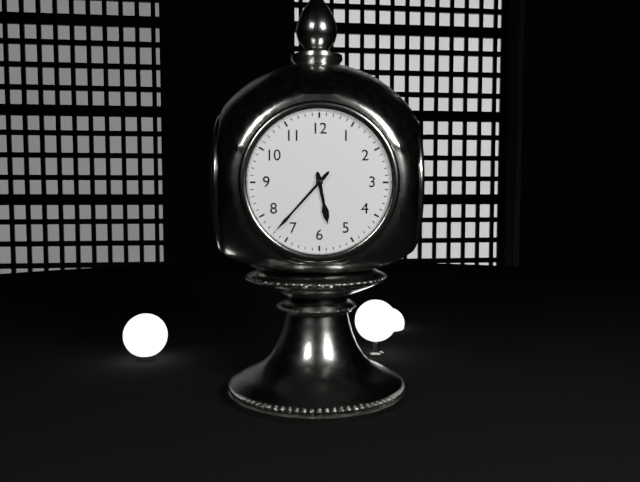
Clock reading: 5h37
